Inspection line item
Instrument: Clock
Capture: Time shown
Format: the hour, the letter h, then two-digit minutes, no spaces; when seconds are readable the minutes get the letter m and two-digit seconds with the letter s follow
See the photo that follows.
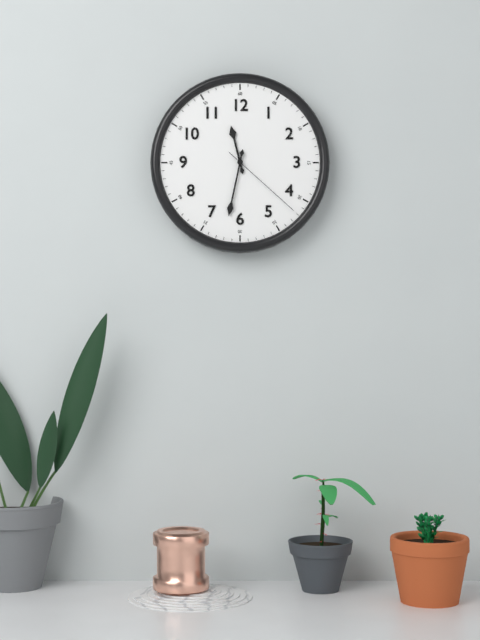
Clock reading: 11h32m22s
